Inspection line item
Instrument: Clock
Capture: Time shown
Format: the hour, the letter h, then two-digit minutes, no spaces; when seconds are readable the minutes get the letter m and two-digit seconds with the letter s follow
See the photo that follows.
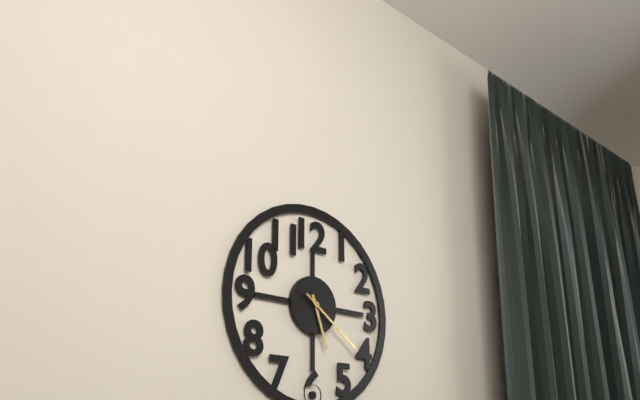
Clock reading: 5h21
